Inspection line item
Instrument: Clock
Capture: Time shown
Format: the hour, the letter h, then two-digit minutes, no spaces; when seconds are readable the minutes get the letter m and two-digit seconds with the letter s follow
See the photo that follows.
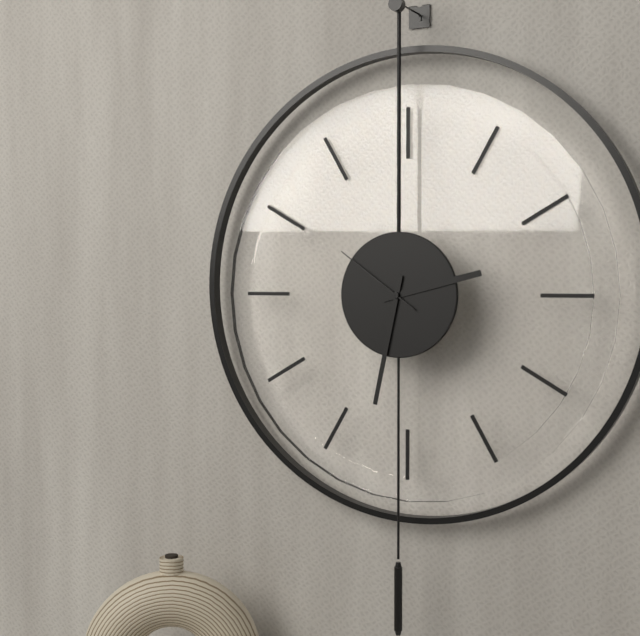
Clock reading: 2h32m51s
